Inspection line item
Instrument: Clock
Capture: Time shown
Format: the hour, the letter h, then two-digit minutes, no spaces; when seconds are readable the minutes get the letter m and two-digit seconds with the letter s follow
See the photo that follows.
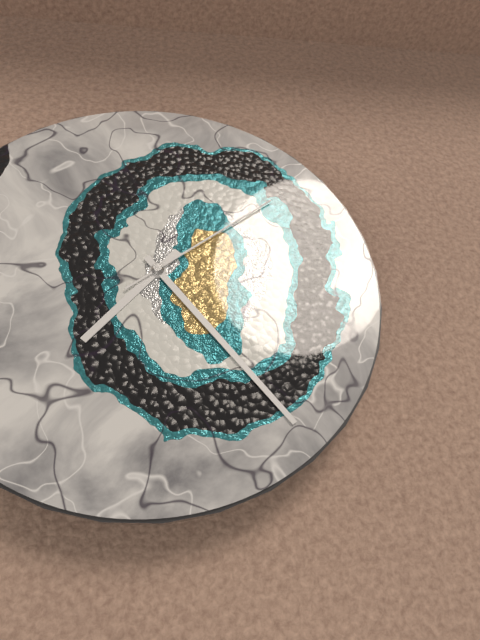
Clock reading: 7h24m09s
